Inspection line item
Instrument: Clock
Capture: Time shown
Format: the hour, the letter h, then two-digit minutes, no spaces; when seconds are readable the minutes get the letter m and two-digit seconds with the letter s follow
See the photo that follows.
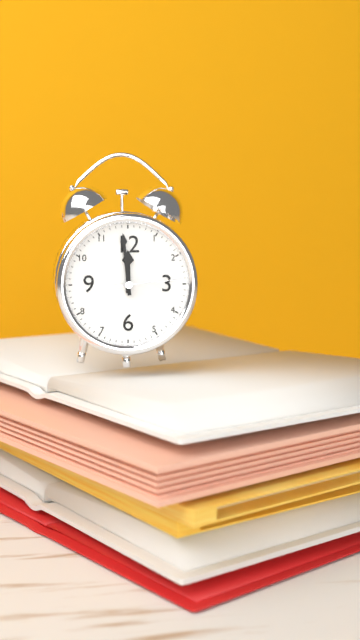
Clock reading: 11h59m14s
